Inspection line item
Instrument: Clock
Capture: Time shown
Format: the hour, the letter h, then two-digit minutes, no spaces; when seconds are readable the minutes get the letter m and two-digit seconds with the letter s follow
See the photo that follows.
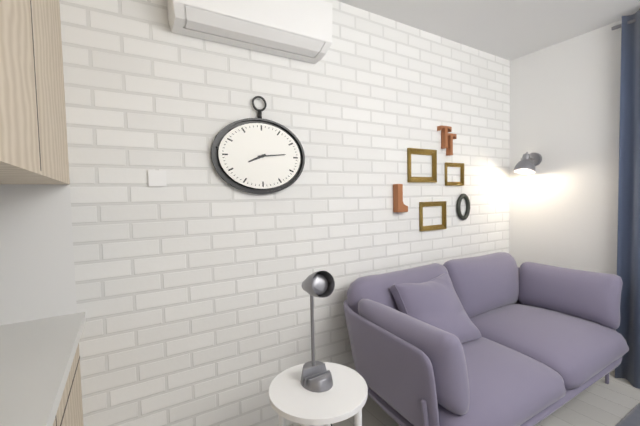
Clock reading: 8h14
